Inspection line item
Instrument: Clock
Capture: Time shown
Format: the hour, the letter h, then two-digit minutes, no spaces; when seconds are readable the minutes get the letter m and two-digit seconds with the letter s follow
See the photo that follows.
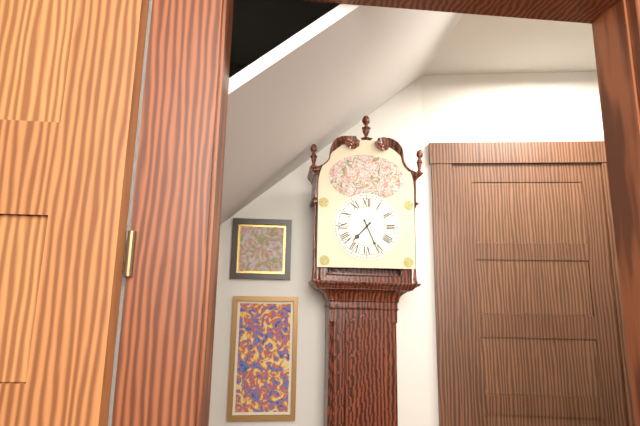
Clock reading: 7h26
